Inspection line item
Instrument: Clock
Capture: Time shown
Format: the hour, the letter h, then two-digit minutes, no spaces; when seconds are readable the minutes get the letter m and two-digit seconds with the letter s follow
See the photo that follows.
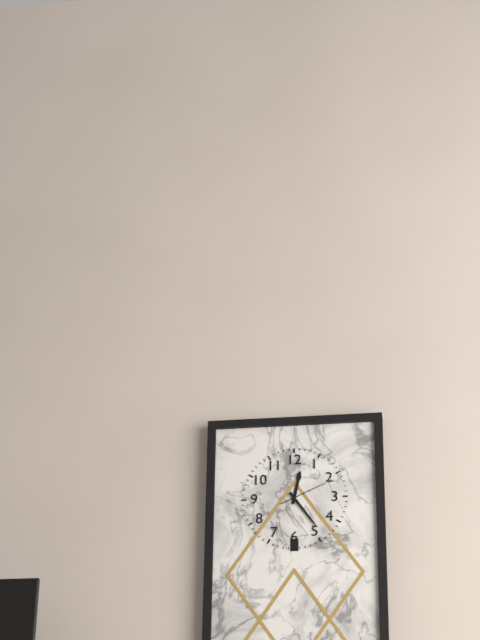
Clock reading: 12h24
